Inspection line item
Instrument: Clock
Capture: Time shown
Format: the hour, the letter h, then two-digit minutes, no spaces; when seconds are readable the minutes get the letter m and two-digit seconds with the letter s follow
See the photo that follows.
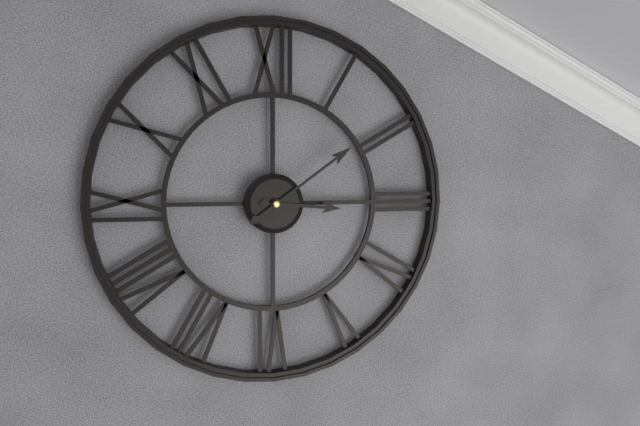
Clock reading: 3h09
